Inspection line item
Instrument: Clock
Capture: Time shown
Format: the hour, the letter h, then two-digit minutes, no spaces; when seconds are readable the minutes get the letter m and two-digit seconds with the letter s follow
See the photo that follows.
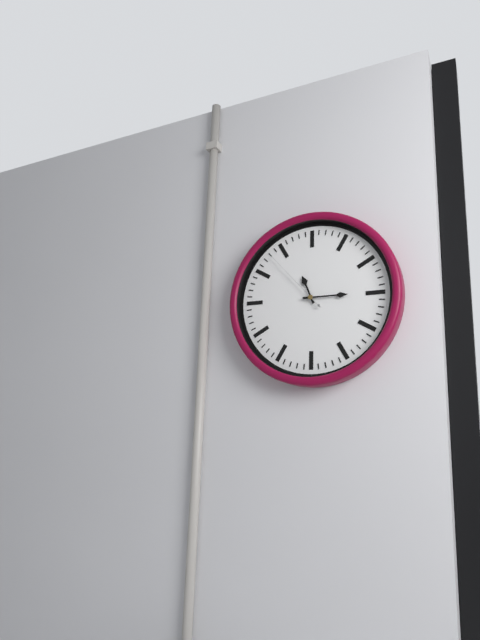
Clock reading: 11h15m53s
